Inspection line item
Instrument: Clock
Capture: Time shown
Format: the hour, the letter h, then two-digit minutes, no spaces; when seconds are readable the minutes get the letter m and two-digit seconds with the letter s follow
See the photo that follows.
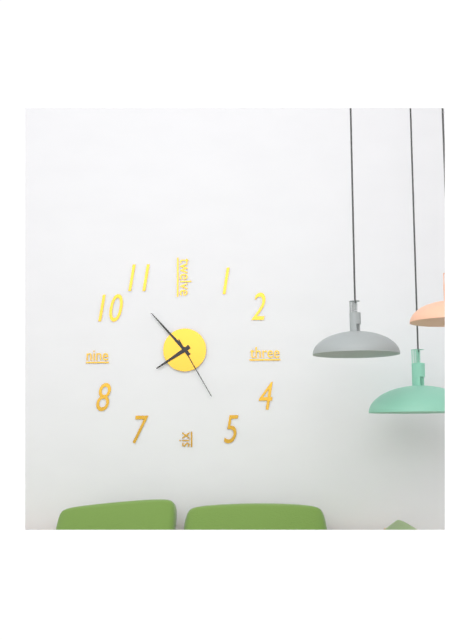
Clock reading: 7h53m25s
